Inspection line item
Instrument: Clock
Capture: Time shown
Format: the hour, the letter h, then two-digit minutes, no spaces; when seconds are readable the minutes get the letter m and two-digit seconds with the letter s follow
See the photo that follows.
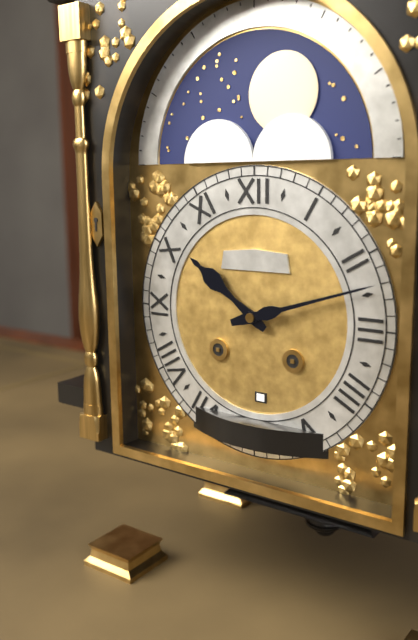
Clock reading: 10h12
